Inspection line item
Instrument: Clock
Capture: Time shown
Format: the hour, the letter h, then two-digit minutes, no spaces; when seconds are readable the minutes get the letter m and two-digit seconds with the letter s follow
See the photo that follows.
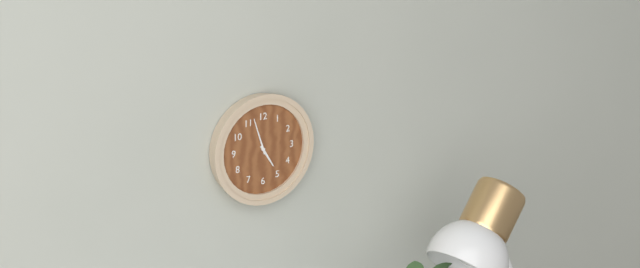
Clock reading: 4h57
